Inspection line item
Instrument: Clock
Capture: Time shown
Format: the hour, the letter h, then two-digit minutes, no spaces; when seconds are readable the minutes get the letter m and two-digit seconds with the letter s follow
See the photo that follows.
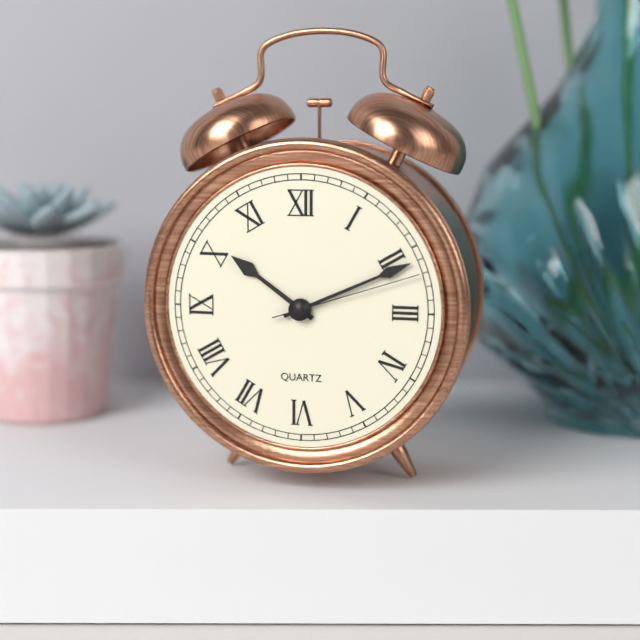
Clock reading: 10h11m12s
